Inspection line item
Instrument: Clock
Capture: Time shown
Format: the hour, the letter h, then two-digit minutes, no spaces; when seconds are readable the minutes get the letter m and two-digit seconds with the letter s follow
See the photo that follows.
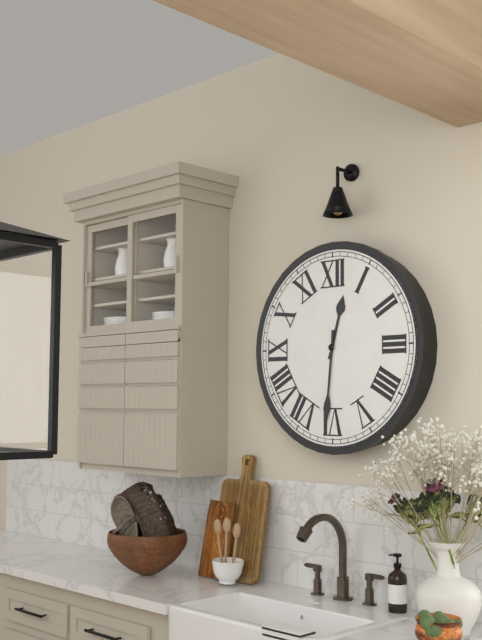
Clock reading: 12h31
